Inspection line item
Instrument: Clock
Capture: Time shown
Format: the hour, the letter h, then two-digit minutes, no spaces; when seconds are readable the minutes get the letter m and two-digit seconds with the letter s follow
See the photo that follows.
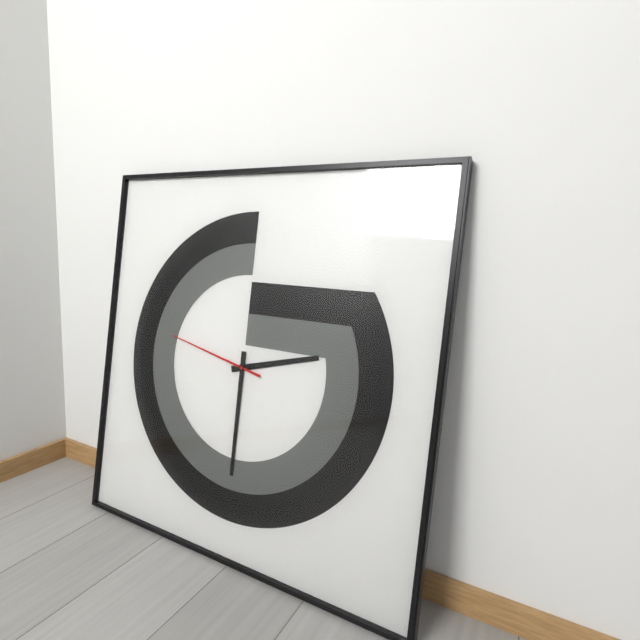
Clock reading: 2h30m47s
